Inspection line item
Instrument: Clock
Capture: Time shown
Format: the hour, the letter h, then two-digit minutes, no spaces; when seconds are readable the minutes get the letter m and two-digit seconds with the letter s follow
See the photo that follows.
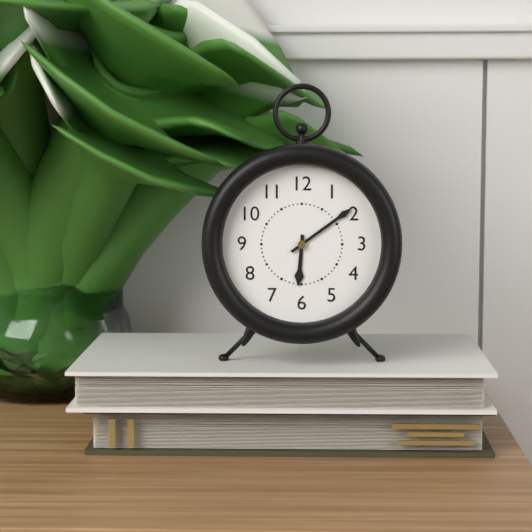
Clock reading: 6h09
